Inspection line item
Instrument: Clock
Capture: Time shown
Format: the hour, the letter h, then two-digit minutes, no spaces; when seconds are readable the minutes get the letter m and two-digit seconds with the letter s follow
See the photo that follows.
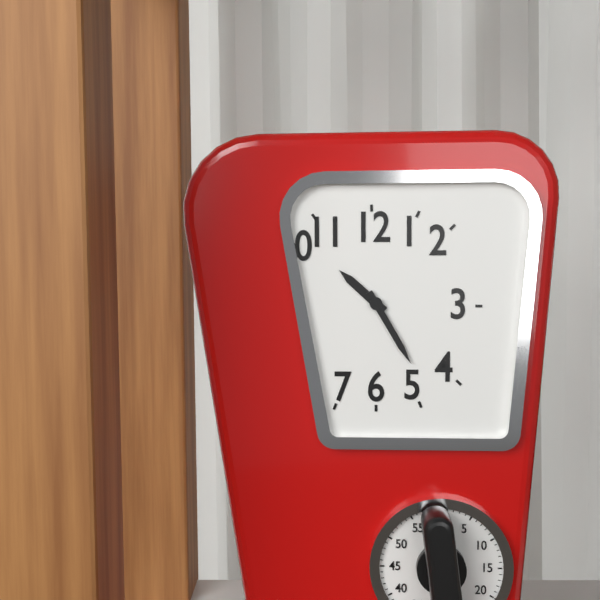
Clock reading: 10h25
